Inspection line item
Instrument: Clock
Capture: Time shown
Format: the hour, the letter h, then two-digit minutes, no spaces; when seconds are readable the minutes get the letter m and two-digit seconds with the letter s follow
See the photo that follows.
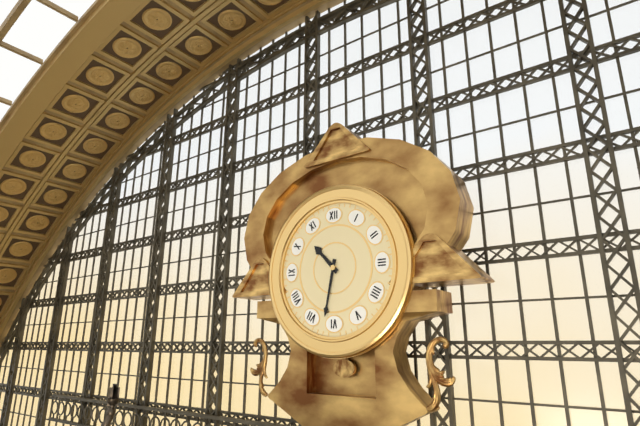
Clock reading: 10h32
